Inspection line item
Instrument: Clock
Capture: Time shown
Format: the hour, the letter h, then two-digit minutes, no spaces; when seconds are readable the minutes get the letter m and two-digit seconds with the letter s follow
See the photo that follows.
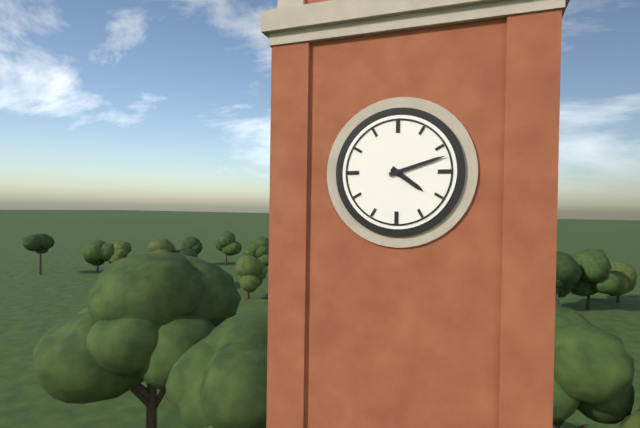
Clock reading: 4h12
